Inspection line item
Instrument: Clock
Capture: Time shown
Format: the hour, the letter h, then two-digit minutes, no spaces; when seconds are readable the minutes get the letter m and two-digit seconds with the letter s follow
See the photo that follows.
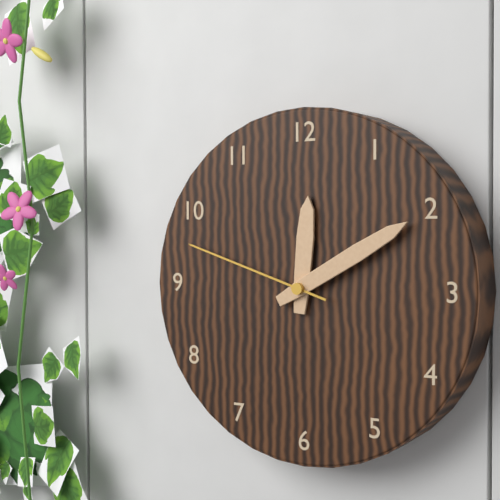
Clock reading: 12h10m48s
